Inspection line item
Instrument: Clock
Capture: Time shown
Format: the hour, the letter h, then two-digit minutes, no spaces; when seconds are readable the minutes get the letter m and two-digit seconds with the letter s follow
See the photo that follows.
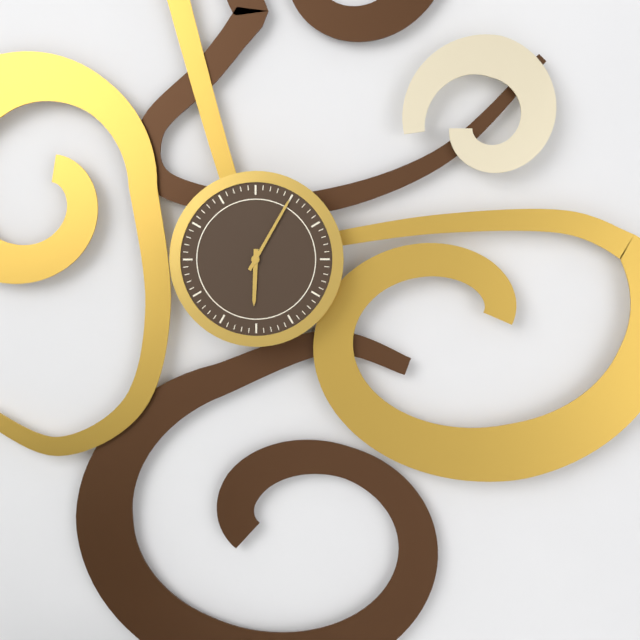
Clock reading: 6h05
